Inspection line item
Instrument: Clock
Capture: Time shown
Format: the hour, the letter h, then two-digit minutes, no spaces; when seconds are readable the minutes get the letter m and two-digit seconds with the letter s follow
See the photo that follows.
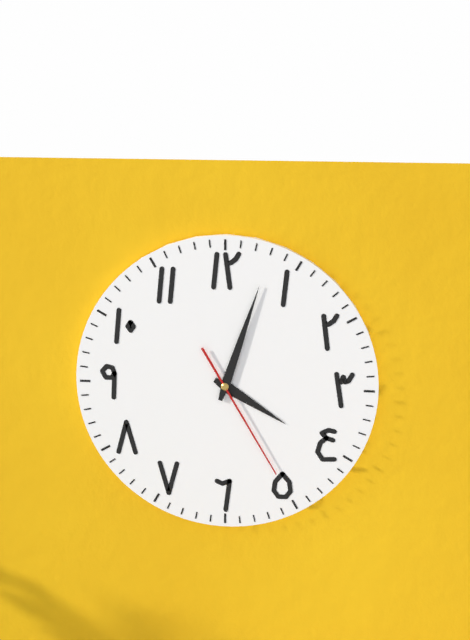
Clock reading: 4h03m25s
